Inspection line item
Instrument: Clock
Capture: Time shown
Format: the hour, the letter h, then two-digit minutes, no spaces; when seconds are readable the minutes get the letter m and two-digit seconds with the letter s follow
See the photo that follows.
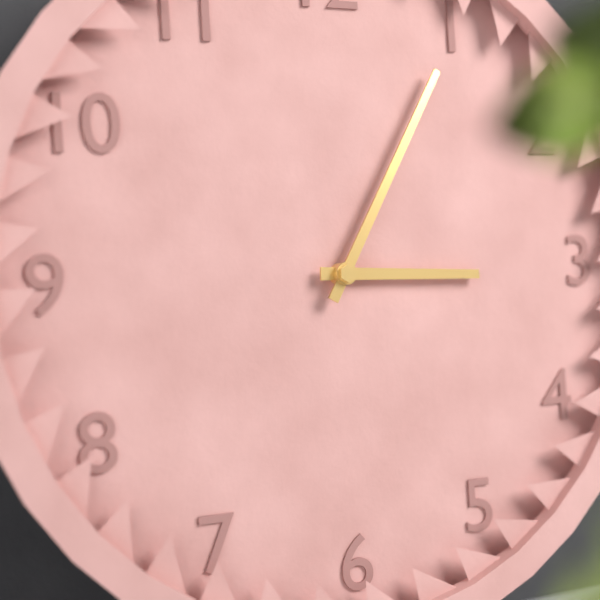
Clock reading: 3h05
